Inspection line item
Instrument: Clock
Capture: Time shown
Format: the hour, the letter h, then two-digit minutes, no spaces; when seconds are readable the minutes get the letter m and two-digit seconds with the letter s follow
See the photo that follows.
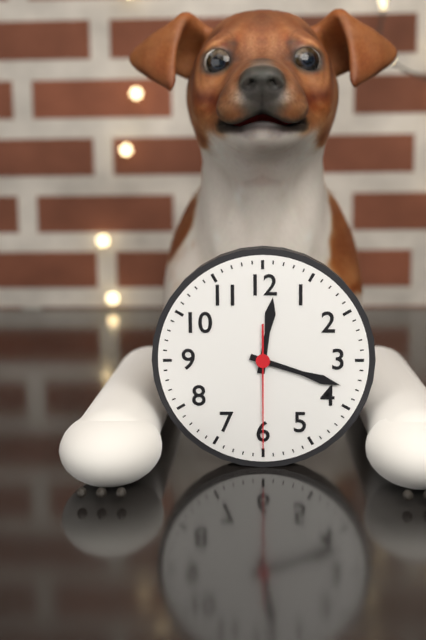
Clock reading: 12h18m30s
